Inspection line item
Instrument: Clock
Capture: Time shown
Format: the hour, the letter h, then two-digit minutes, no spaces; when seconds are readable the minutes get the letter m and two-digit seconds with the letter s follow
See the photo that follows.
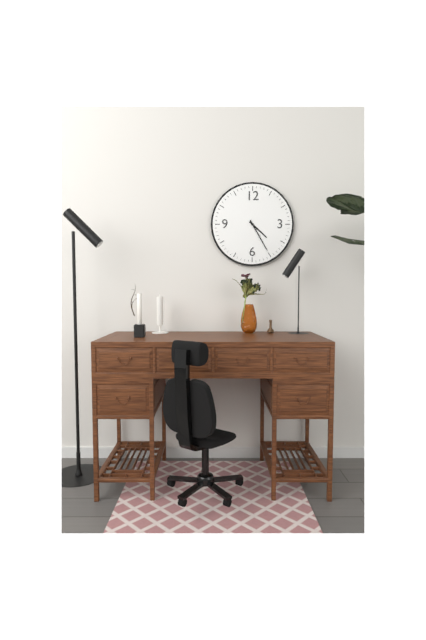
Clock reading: 4h25
